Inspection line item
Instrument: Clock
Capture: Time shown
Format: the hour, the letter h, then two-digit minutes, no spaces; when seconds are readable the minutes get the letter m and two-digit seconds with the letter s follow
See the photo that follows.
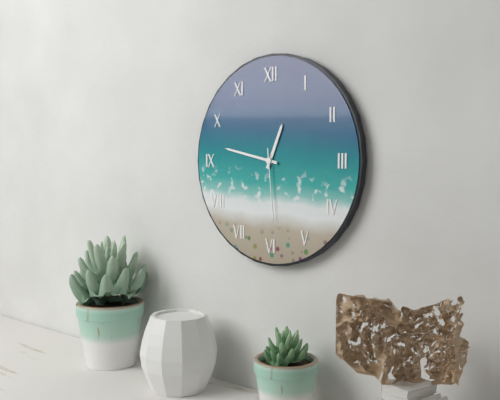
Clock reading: 12h47m29s
